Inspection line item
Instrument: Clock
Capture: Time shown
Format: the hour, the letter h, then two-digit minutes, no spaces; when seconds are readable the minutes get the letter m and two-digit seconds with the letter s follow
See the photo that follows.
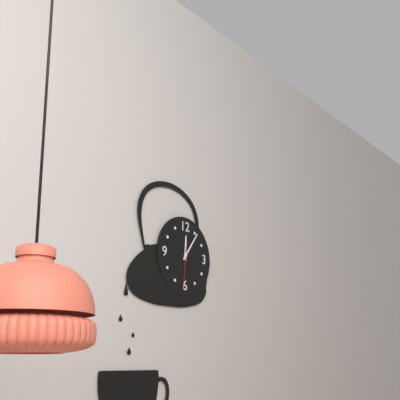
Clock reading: 12h06
